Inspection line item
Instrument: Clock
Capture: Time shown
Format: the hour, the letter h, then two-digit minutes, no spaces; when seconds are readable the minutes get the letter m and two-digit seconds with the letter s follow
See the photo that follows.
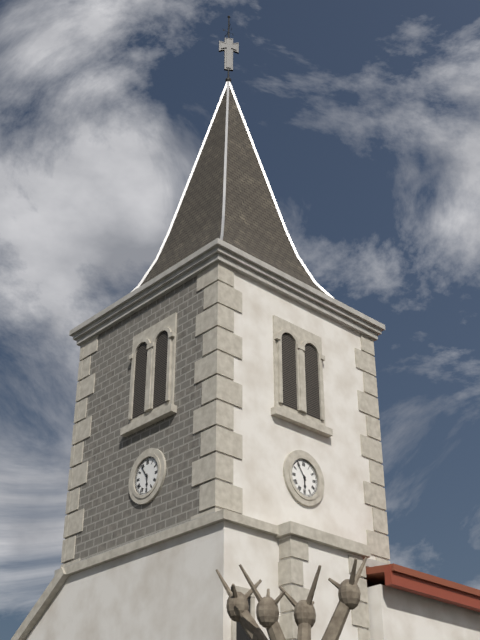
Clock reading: 5h54
